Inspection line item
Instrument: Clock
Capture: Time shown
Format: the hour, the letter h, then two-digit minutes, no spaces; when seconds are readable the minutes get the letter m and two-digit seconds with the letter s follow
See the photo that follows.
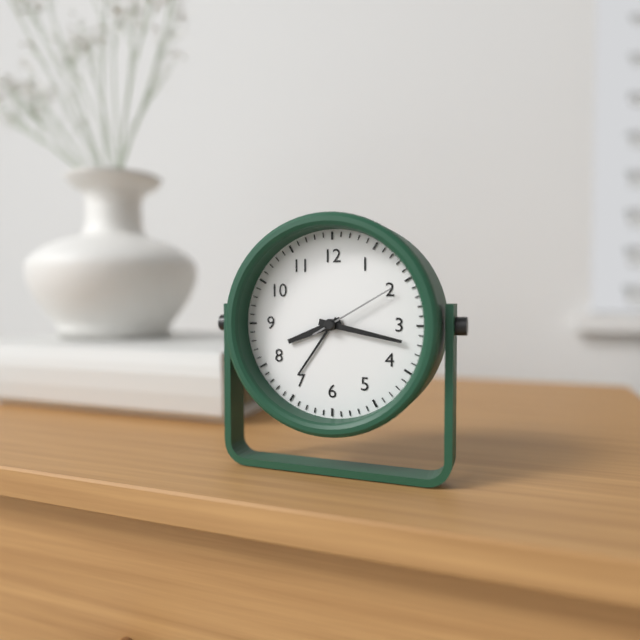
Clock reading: 8h17m10s
